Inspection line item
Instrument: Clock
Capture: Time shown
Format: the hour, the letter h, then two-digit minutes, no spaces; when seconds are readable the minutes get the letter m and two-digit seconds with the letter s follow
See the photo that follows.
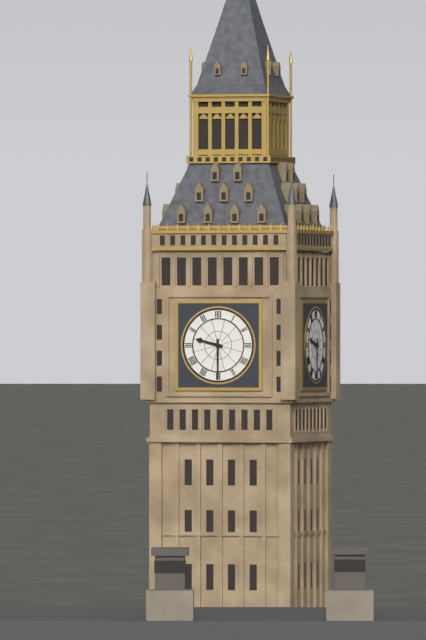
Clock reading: 9h30
